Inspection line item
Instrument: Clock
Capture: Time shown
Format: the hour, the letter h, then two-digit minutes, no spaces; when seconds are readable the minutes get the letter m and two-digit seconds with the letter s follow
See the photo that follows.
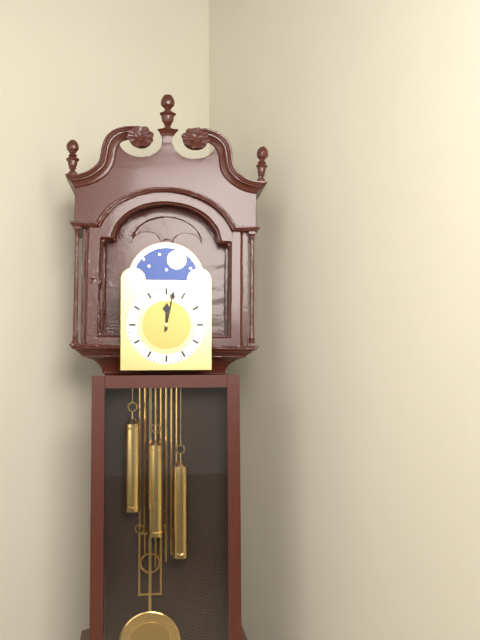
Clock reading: 12h02
